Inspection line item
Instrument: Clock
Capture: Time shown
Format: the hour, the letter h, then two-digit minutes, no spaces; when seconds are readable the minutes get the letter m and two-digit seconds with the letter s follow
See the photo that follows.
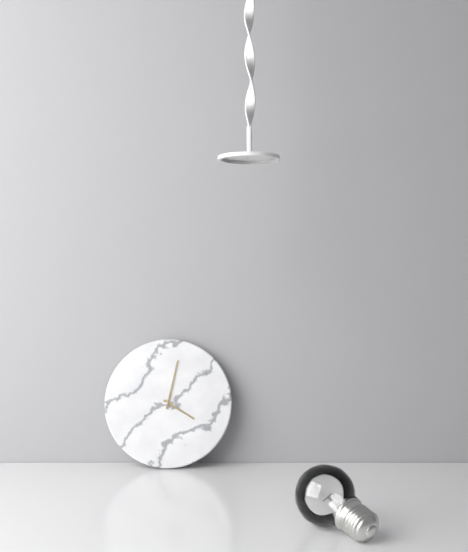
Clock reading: 4h02
